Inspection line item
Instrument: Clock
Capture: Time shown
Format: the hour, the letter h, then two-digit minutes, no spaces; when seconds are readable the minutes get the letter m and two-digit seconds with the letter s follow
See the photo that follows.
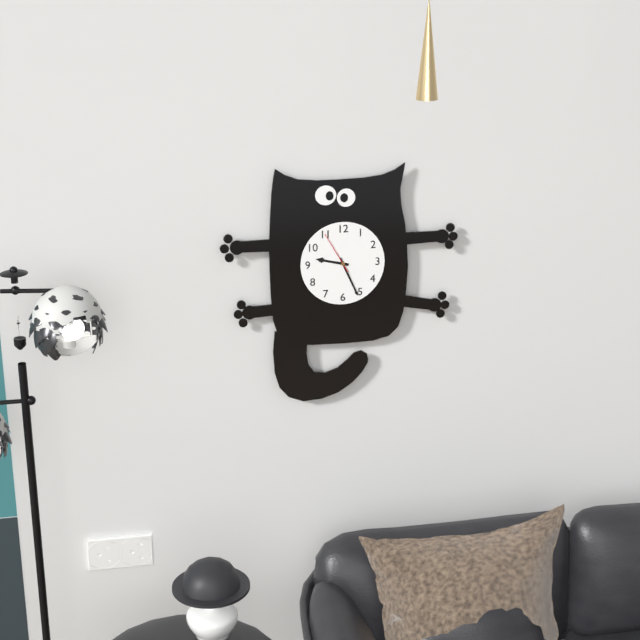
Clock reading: 9h26
